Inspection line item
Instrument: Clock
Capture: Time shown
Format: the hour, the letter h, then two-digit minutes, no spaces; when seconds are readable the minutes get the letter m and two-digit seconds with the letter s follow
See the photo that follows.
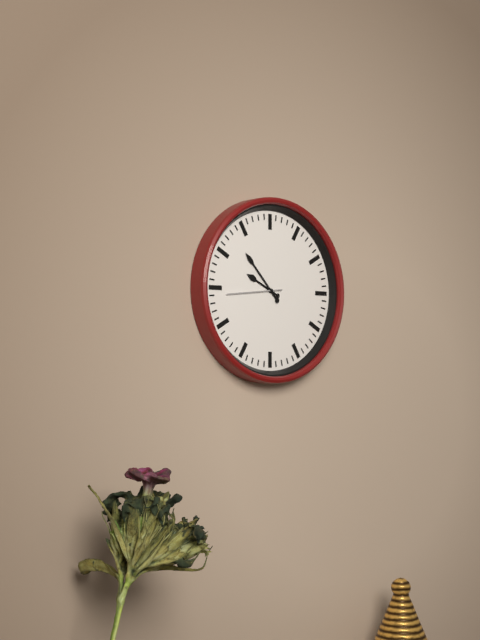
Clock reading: 9h53
